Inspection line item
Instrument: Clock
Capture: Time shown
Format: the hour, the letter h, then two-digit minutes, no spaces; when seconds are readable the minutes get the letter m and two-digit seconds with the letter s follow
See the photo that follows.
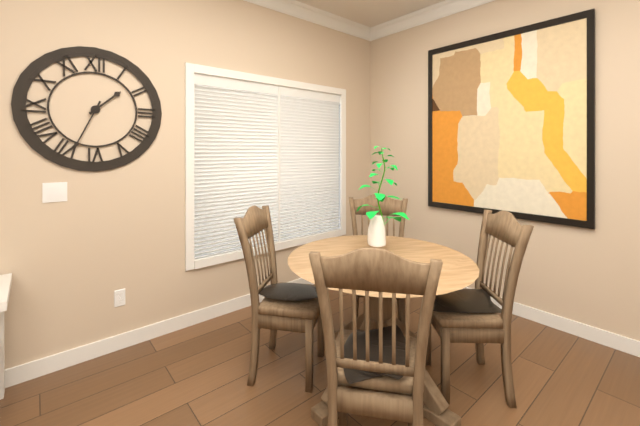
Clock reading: 1h34
